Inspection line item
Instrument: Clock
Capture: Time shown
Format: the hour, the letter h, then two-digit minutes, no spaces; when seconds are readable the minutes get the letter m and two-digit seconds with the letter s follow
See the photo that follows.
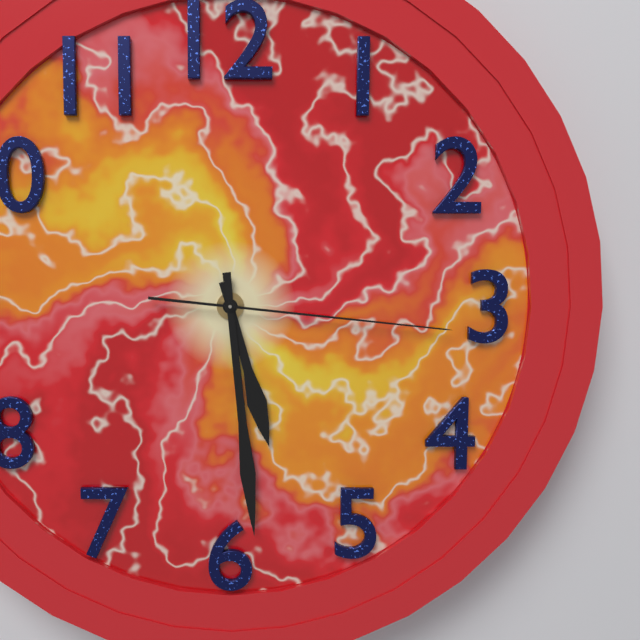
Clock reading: 5h29m16s
